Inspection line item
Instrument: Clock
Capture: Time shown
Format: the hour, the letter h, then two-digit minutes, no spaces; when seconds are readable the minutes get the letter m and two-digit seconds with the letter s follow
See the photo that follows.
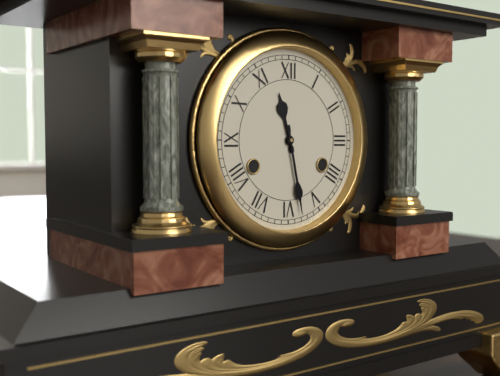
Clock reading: 11h28
